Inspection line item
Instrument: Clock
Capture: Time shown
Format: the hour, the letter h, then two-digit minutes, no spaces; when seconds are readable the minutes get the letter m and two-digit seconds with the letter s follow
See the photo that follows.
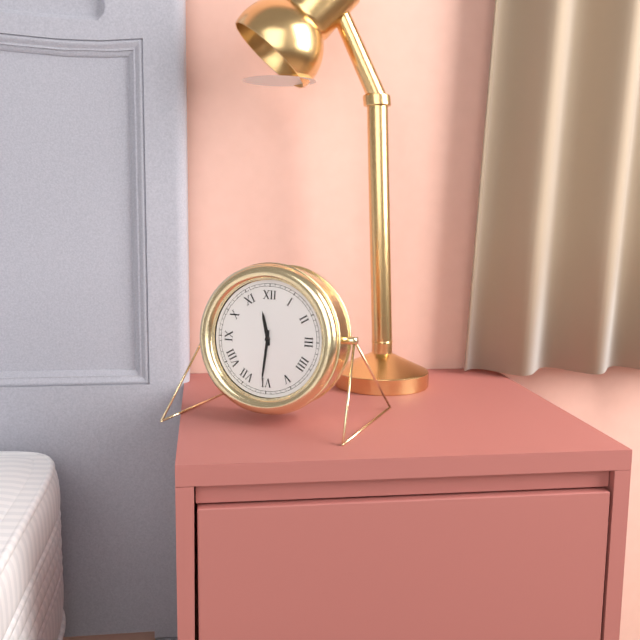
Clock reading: 11h31
